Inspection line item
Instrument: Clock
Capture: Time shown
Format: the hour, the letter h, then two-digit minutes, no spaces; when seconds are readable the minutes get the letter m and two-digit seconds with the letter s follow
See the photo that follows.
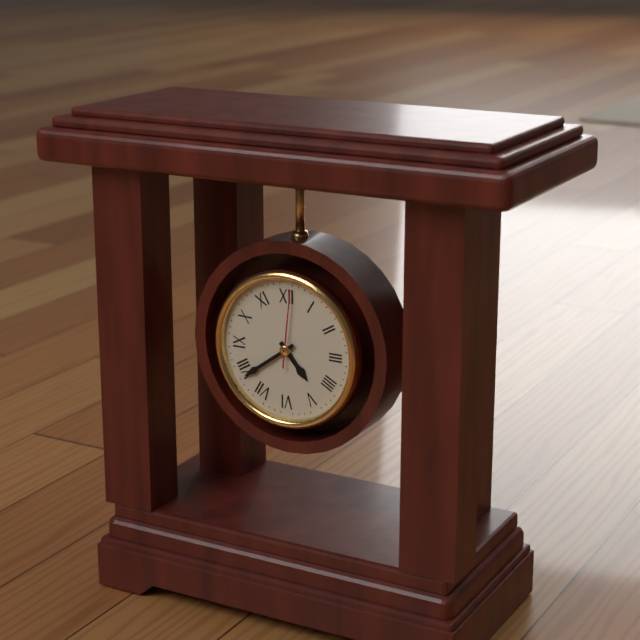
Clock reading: 4h39m01s
